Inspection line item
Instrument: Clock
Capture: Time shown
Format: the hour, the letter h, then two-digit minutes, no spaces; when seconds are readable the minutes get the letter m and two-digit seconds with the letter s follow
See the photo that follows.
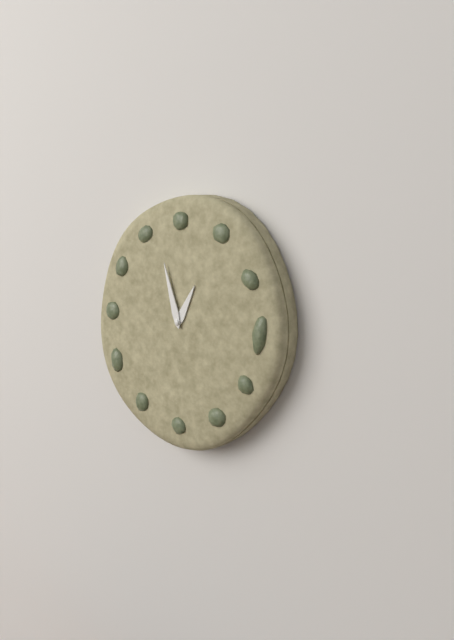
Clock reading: 12h57
